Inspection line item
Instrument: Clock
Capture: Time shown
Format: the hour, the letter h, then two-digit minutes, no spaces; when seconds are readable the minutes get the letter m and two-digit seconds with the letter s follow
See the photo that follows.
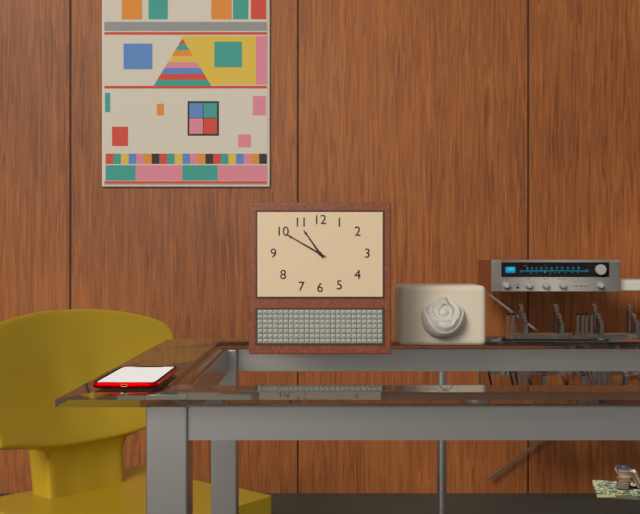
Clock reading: 10h50
